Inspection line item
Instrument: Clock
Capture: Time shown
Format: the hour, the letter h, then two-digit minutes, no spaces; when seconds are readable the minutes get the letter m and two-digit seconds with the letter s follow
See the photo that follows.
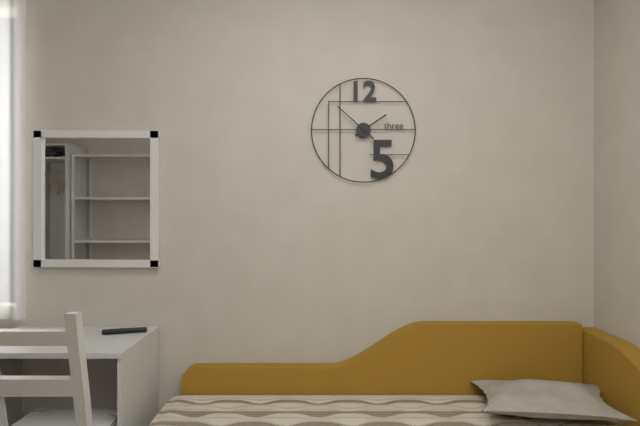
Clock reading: 1h52
